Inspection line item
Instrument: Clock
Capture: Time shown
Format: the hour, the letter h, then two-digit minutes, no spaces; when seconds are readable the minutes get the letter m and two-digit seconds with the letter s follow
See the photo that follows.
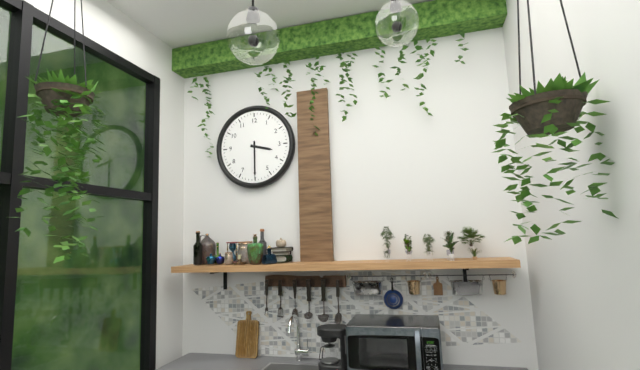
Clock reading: 3h30
